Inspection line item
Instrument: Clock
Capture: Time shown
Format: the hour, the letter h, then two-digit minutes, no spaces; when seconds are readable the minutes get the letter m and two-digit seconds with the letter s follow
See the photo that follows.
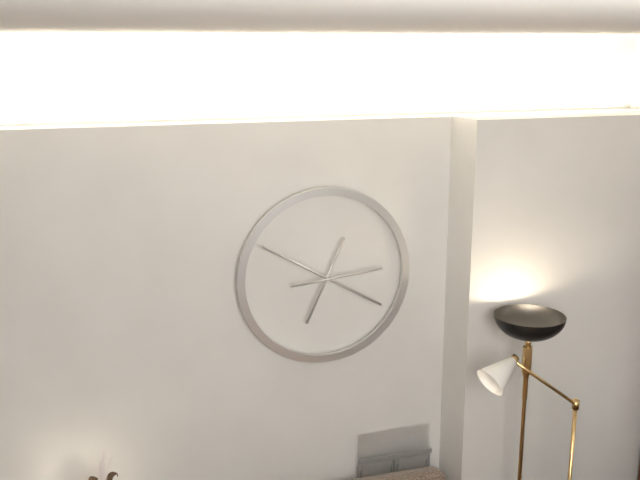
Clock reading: 6h50m14s
